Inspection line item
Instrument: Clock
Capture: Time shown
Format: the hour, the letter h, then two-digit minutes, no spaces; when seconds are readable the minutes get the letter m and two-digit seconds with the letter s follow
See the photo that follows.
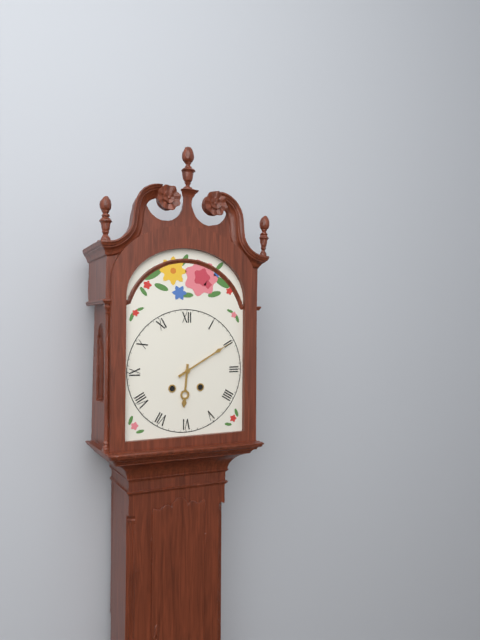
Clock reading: 6h10
